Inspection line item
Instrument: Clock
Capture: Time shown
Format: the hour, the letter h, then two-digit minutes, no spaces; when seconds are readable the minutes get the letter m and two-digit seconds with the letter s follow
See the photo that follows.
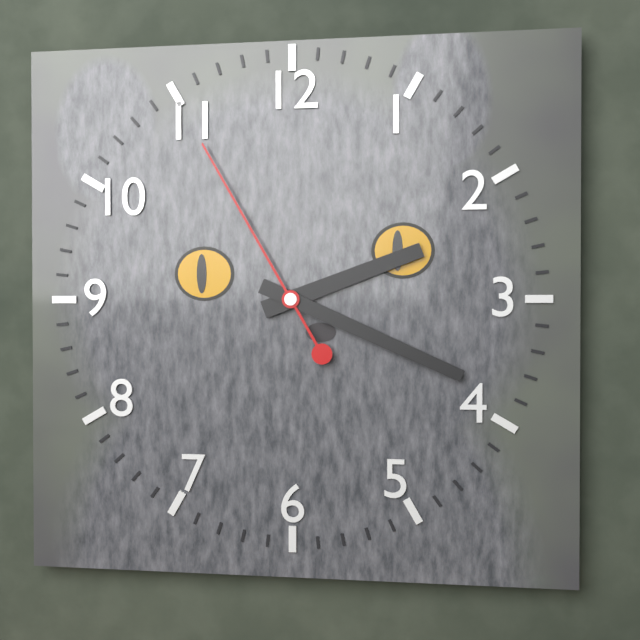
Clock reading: 2h19m55s
